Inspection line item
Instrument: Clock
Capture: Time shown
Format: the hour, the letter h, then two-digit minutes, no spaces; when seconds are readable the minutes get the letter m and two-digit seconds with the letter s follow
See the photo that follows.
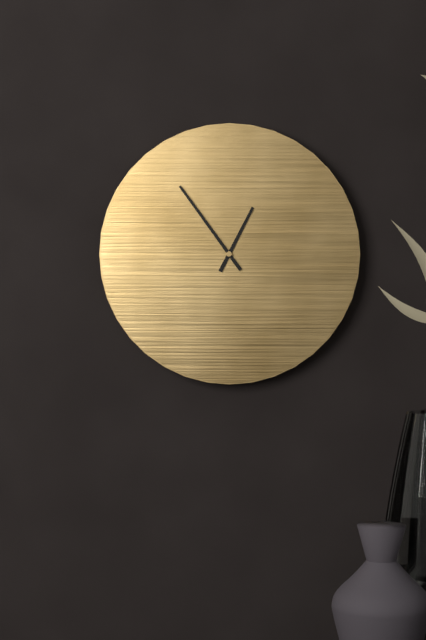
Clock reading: 12h54
